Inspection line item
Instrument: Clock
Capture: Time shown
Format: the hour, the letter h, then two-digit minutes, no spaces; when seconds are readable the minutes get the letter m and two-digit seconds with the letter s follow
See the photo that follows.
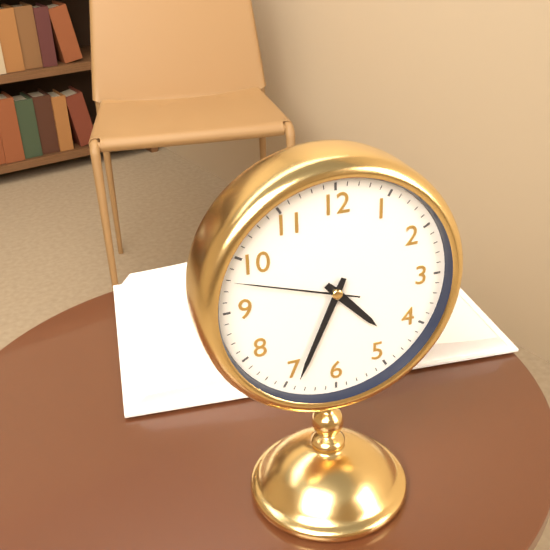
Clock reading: 4h34m48s
